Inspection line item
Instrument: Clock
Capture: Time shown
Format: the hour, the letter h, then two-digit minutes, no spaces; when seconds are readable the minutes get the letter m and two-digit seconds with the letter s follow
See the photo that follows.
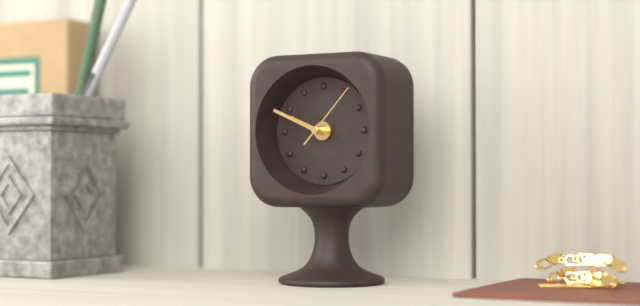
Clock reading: 9h49m07s
